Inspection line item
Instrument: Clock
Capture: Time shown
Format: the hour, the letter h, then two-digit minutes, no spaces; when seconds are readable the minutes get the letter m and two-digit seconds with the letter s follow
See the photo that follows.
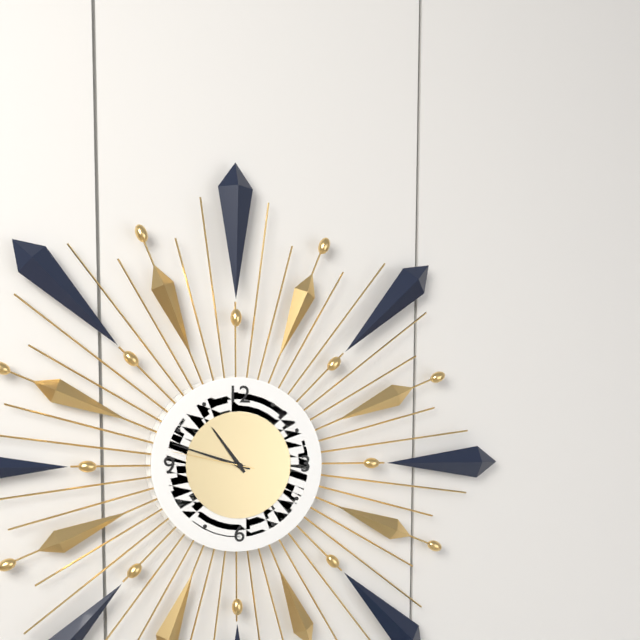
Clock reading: 10h48m47s
